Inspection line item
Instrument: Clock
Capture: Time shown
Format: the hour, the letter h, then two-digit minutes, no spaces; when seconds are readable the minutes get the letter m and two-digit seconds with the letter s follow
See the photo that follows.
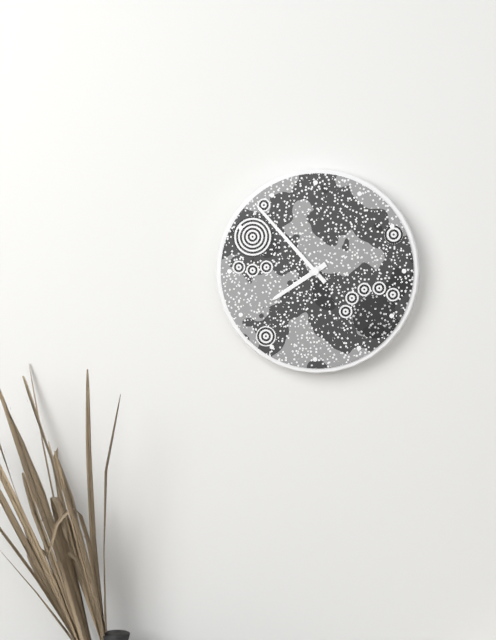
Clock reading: 7h53
